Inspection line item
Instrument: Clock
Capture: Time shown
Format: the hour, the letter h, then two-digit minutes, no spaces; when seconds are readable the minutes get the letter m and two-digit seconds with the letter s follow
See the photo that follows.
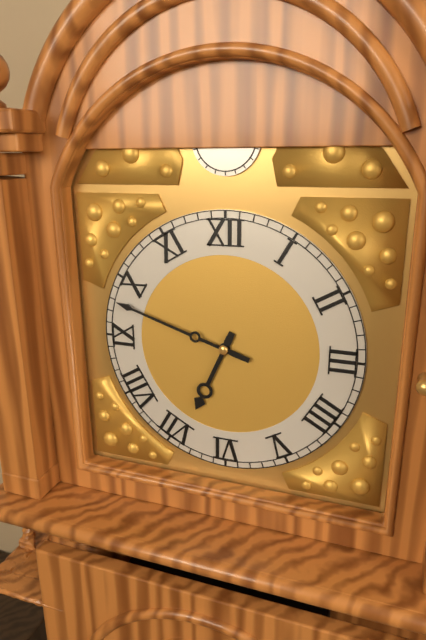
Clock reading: 6h48
